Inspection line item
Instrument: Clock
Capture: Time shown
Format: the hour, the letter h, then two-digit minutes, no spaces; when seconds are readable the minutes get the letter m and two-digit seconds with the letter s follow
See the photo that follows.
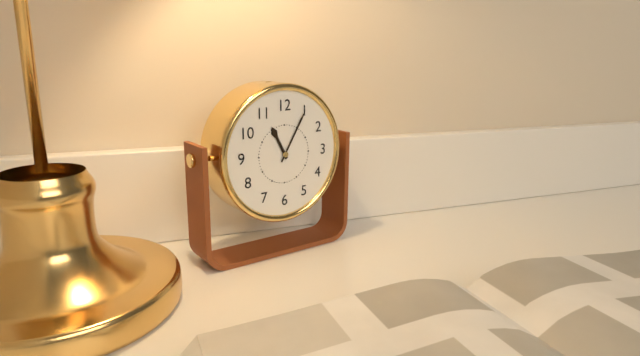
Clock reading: 11h05
